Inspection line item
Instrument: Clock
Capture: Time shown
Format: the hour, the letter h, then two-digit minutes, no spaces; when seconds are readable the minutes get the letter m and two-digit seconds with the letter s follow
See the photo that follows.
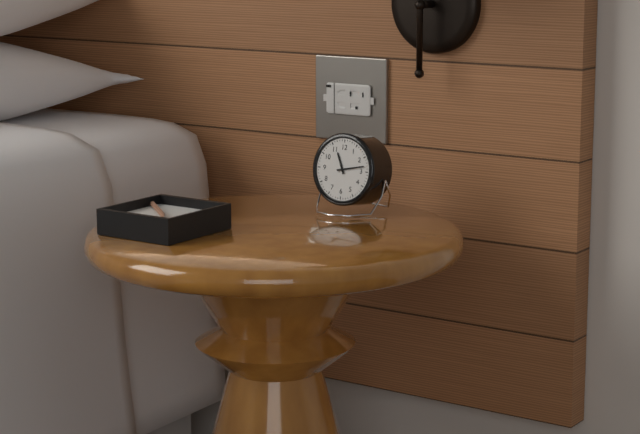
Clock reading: 11h13
